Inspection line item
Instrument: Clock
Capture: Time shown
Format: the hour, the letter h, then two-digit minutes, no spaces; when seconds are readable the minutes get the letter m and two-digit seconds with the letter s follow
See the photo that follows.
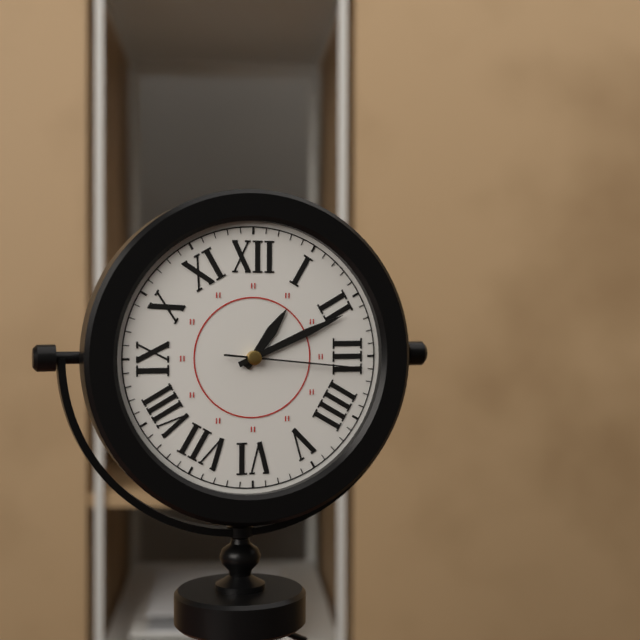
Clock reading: 1h11m16s
